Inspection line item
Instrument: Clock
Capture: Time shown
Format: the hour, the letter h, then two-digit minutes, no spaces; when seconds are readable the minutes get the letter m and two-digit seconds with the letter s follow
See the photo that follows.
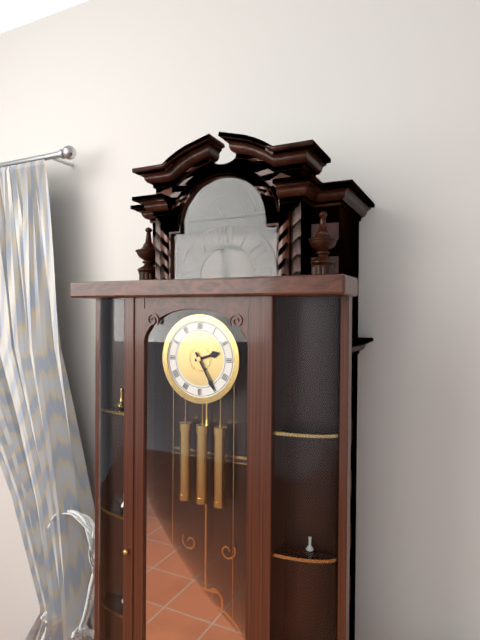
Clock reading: 2h25
